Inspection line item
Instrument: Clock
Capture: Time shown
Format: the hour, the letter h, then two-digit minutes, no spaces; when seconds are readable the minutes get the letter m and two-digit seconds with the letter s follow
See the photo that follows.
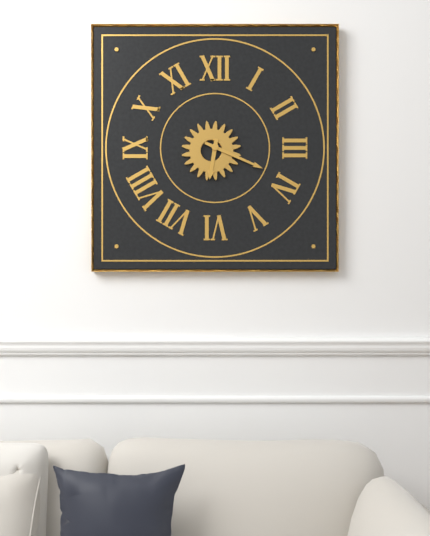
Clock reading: 6h19
